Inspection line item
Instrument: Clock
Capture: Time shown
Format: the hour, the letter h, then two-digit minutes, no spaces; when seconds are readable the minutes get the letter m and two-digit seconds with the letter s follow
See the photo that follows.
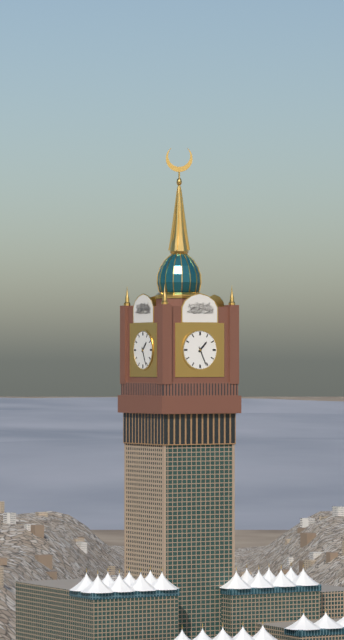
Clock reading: 1h26
